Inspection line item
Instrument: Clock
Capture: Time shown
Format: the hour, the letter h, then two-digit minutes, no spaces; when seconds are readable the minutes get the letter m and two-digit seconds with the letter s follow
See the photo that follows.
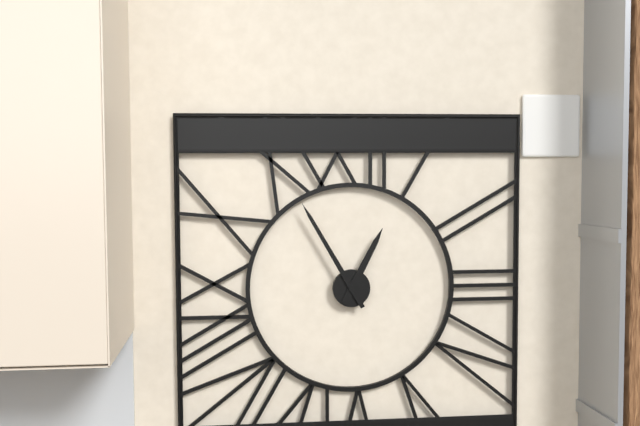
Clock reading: 12h55
